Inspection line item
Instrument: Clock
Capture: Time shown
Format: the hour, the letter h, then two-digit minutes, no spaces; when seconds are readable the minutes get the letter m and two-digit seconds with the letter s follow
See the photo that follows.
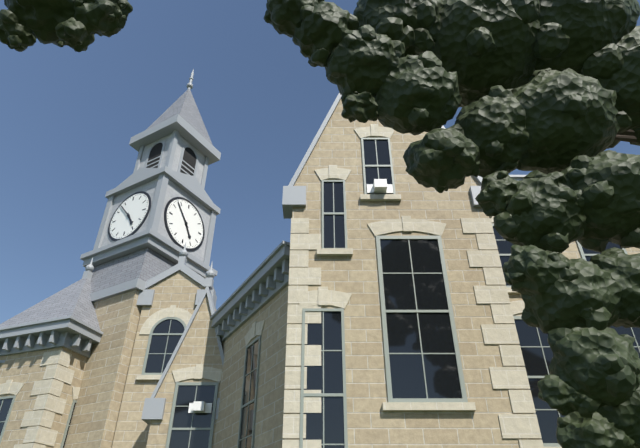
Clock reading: 4h53
